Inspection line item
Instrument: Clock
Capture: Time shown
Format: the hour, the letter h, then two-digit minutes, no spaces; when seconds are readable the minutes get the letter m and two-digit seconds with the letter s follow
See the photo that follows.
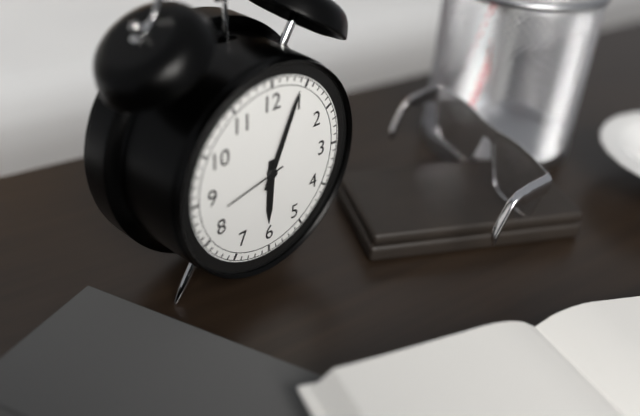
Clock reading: 6h04m43s
